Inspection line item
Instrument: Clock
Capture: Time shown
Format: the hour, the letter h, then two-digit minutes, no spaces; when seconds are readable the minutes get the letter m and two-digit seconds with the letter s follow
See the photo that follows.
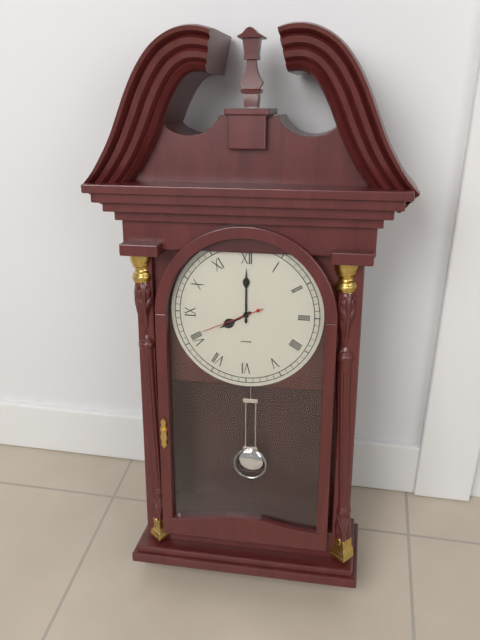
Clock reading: 8h00m41s
